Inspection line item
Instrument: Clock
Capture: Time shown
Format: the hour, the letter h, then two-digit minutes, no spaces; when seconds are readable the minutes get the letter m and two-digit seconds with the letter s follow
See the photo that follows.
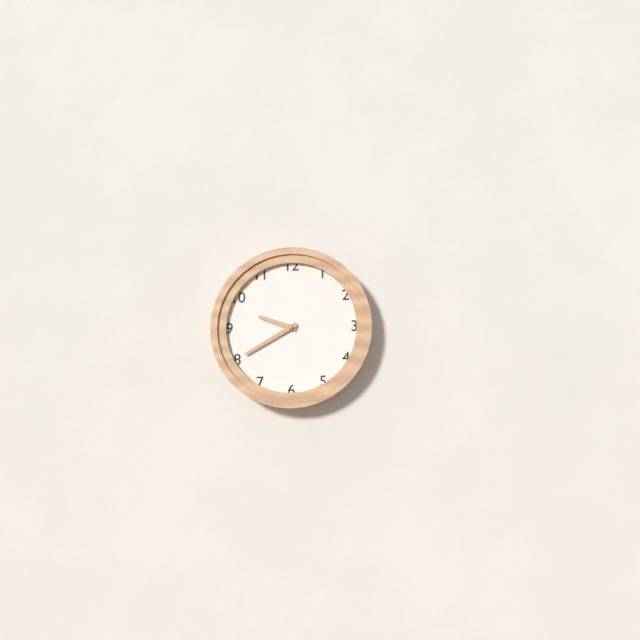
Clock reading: 9h40
